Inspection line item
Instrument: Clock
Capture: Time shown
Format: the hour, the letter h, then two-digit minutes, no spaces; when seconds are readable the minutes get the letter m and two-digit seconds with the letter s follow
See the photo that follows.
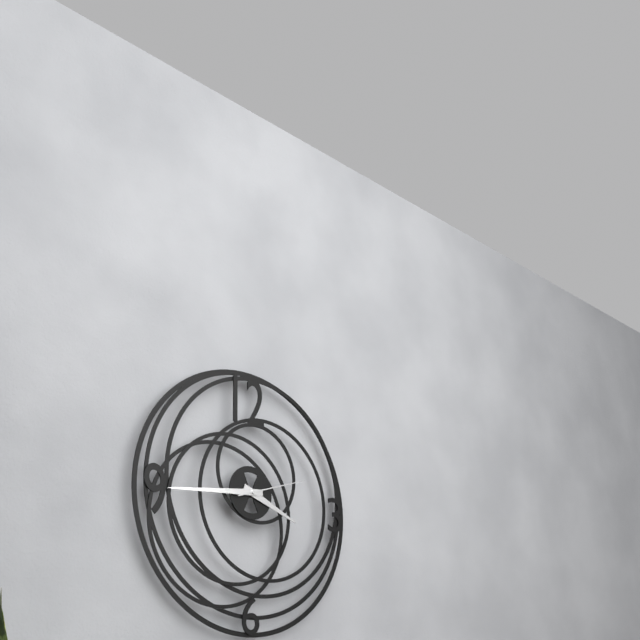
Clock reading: 3h44m12s
